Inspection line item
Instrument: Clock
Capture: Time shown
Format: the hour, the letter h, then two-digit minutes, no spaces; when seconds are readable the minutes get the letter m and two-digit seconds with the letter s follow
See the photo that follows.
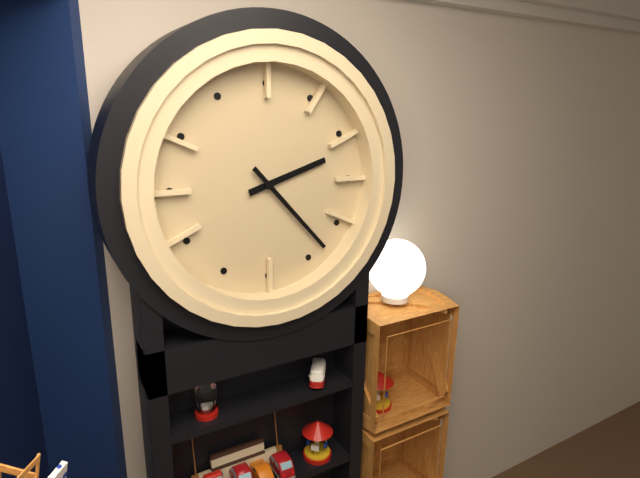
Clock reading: 2h23
